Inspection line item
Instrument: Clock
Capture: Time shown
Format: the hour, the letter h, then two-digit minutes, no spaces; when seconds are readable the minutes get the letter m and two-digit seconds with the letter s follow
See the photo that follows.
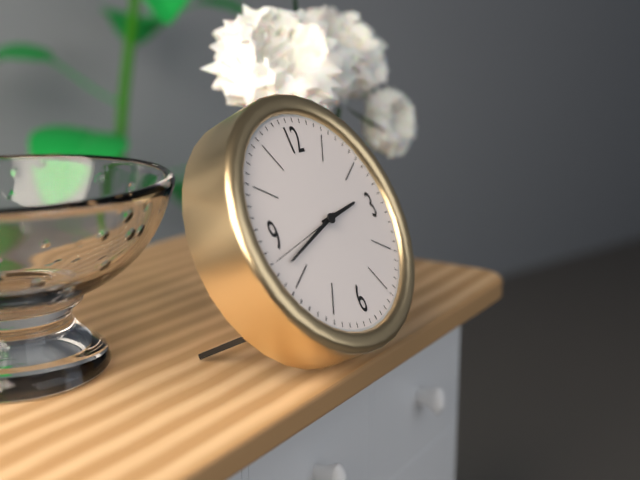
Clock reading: 2h42m43s
